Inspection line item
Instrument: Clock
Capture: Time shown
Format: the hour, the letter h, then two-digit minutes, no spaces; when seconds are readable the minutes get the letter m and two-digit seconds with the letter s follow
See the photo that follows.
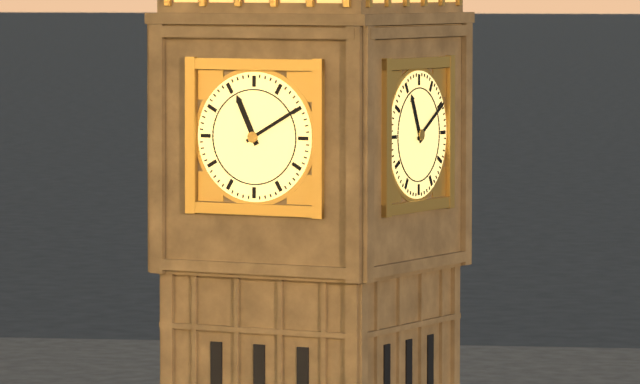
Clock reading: 11h10
